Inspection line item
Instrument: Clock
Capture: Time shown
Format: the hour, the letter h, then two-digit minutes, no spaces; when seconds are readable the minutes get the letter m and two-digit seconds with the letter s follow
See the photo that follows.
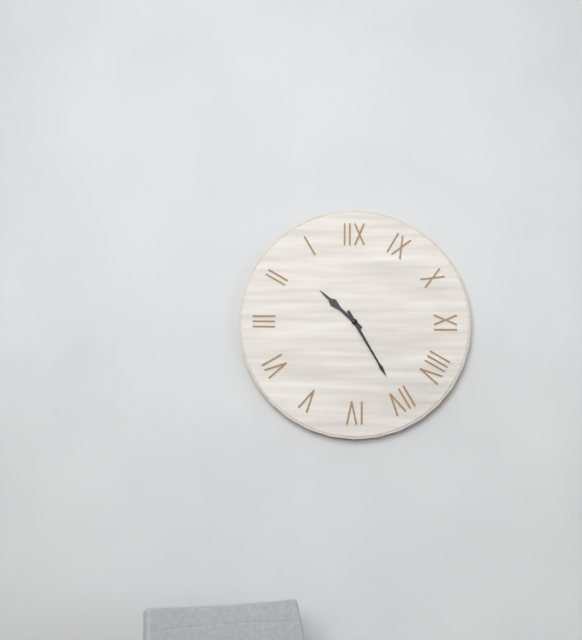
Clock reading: 10h25
